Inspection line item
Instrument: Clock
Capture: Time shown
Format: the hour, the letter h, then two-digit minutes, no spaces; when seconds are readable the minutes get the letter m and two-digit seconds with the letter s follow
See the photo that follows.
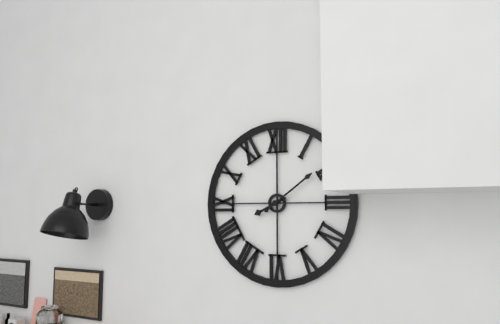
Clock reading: 8h09
